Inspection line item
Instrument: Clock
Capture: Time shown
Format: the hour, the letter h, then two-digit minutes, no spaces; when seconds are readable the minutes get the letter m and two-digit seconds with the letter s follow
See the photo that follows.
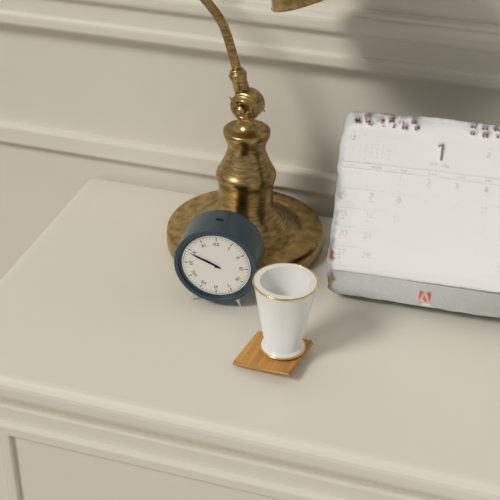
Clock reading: 9h49
